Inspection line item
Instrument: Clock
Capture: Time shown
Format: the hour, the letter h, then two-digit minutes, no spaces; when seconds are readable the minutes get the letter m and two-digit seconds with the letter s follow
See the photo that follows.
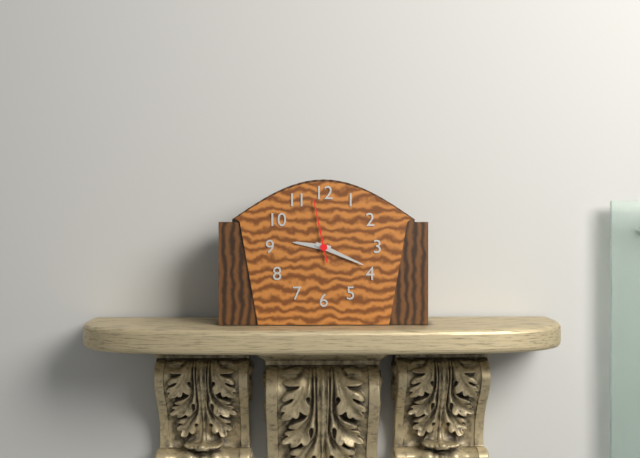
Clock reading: 9h19m58s
